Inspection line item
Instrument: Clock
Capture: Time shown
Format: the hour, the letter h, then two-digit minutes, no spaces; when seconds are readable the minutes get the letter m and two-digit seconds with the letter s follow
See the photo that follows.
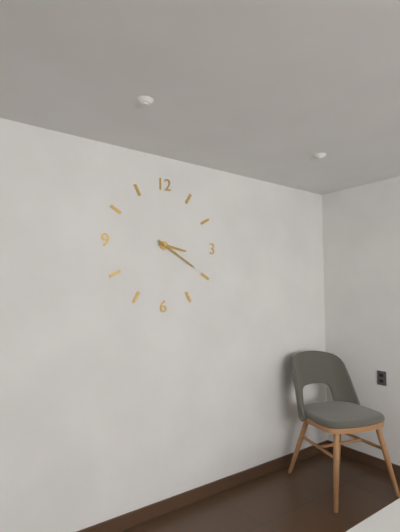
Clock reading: 3h20
